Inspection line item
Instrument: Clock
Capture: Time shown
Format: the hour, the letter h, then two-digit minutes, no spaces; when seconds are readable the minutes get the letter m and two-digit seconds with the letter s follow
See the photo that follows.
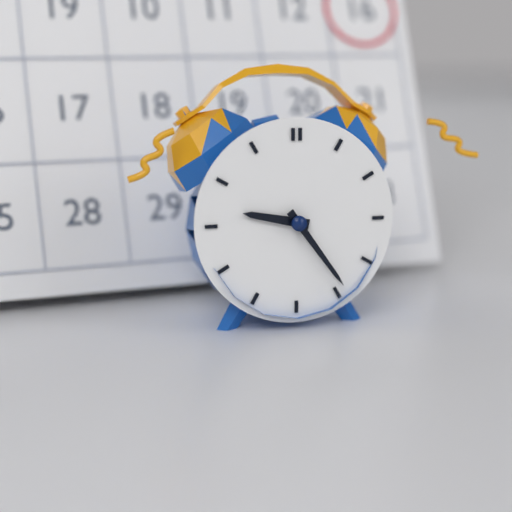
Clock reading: 9h24
